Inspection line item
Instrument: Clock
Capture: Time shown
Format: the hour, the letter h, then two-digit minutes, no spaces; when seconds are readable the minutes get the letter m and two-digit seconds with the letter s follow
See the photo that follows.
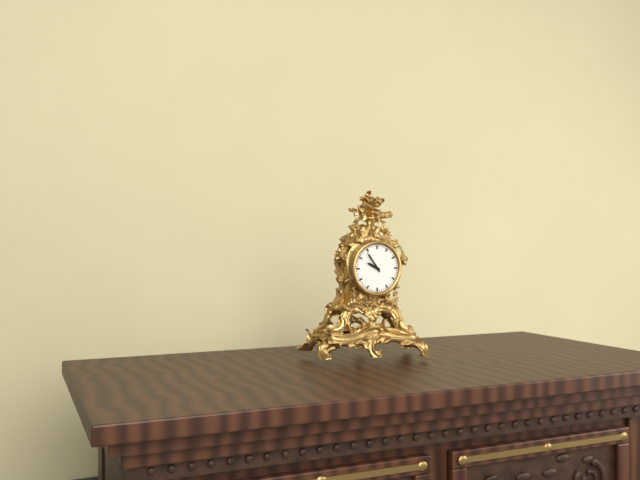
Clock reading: 9h54
